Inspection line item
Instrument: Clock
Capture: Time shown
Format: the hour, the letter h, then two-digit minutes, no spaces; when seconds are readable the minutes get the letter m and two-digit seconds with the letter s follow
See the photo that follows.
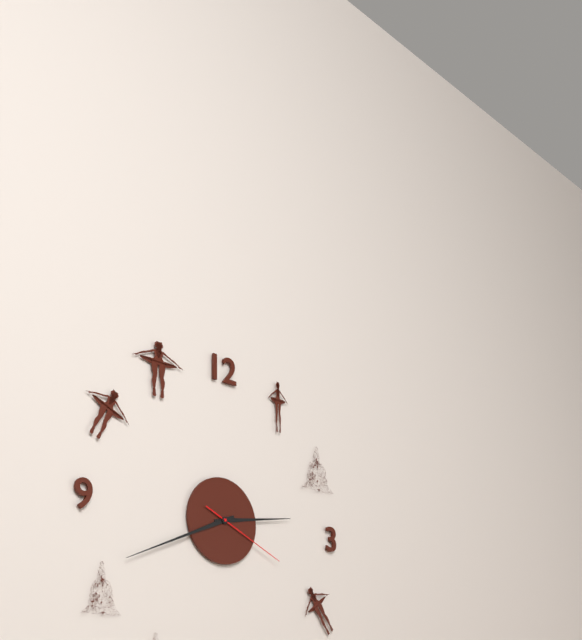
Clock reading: 2h41m19s
